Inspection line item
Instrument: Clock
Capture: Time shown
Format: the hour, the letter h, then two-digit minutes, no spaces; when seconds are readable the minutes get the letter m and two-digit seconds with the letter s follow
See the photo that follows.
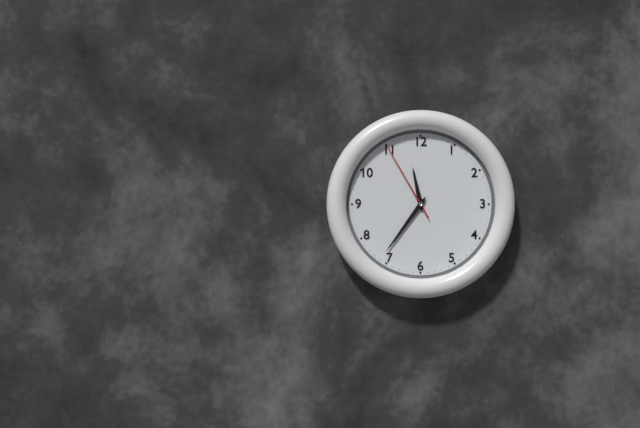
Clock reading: 11h36m55s
